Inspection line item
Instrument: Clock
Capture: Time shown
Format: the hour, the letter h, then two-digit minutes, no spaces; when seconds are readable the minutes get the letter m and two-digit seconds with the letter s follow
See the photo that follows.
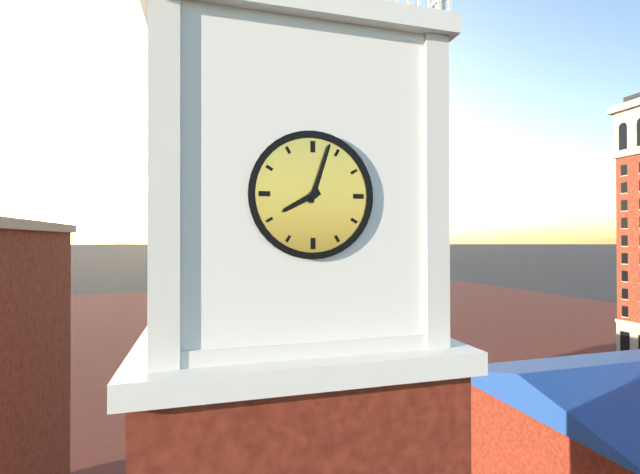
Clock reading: 8h03
